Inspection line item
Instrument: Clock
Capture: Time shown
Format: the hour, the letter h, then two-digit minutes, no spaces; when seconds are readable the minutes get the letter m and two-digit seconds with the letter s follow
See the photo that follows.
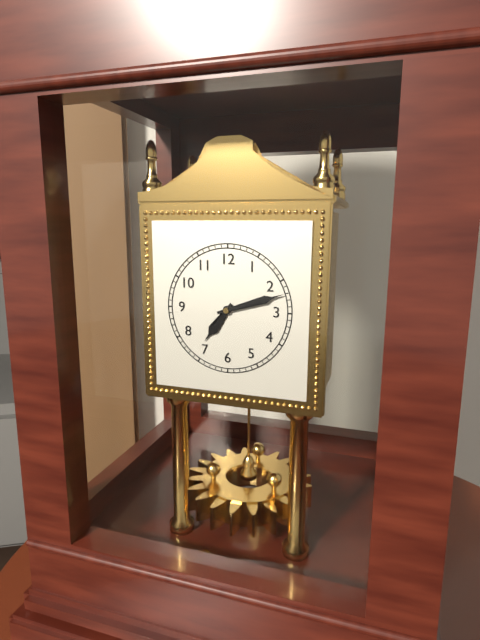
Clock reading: 7h12
